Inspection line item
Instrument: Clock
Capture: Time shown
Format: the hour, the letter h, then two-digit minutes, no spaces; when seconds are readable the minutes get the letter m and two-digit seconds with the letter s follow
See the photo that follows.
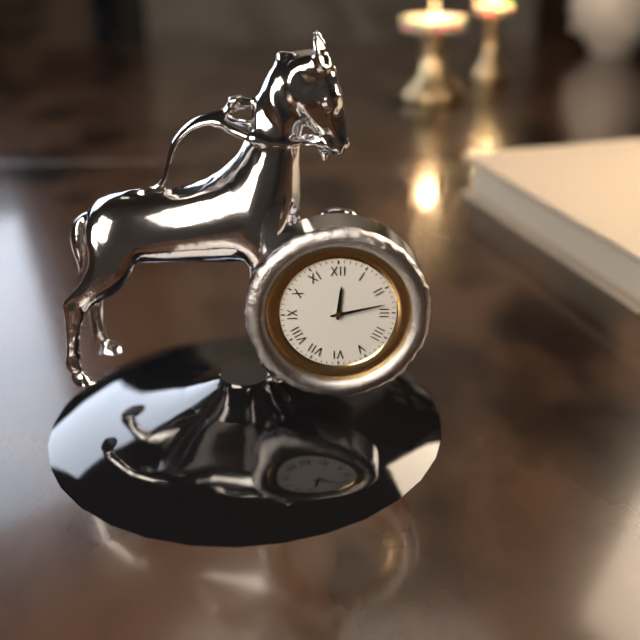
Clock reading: 12h13
